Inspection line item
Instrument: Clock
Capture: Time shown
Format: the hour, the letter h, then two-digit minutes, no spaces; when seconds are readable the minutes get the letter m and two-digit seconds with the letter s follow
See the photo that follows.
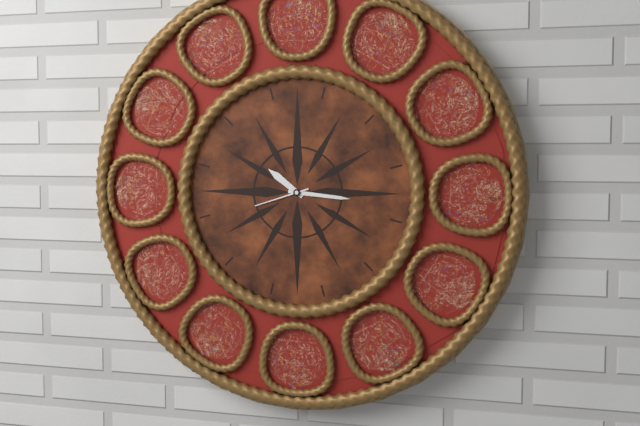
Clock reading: 10h16m42s
